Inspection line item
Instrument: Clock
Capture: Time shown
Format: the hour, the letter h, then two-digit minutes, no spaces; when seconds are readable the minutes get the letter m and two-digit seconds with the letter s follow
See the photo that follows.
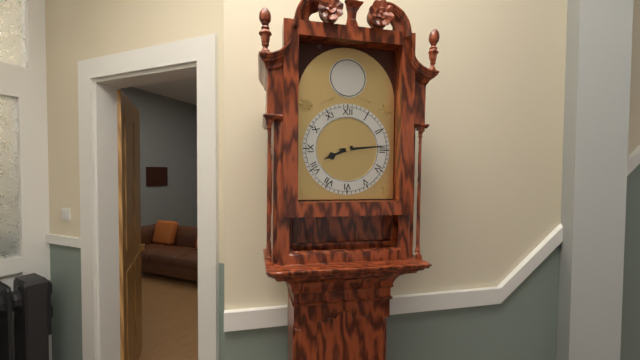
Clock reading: 8h14
